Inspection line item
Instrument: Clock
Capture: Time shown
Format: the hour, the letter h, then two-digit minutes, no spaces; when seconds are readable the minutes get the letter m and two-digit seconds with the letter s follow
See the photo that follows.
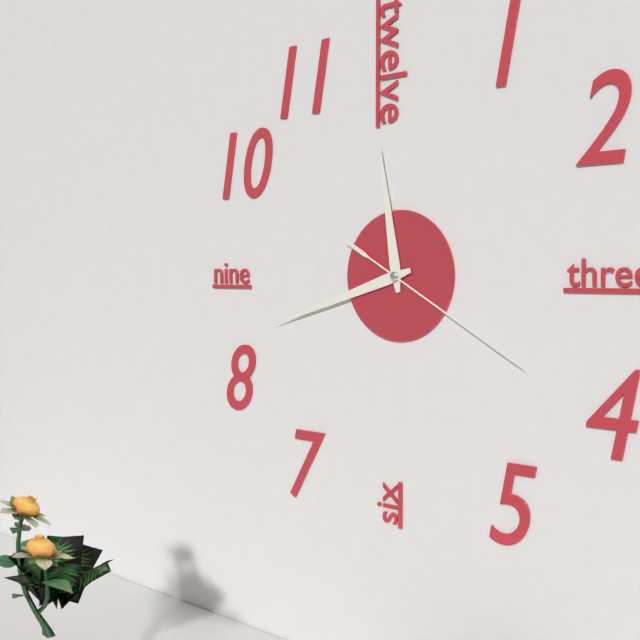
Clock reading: 11h42m20s
